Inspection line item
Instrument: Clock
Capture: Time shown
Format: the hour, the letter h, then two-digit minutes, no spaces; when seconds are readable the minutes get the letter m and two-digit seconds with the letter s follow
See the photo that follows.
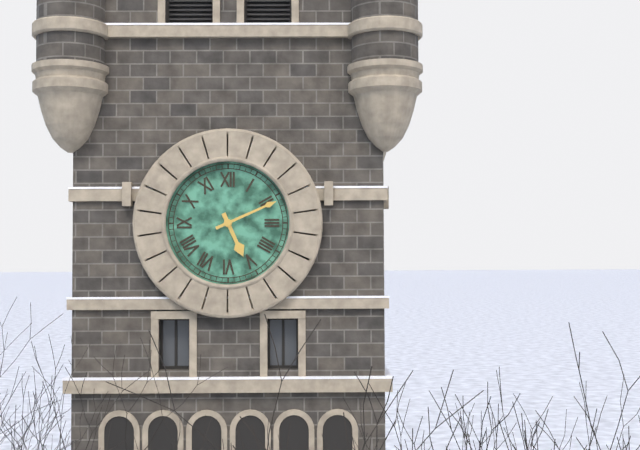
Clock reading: 5h11
